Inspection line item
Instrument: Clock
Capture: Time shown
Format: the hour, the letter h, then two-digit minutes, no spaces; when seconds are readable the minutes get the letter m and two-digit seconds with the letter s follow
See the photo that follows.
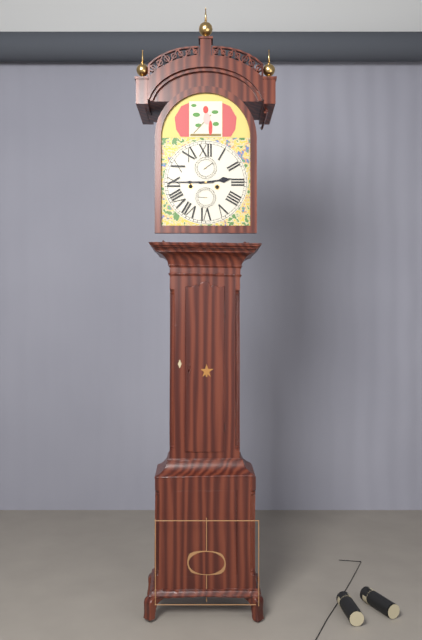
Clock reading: 2h45
